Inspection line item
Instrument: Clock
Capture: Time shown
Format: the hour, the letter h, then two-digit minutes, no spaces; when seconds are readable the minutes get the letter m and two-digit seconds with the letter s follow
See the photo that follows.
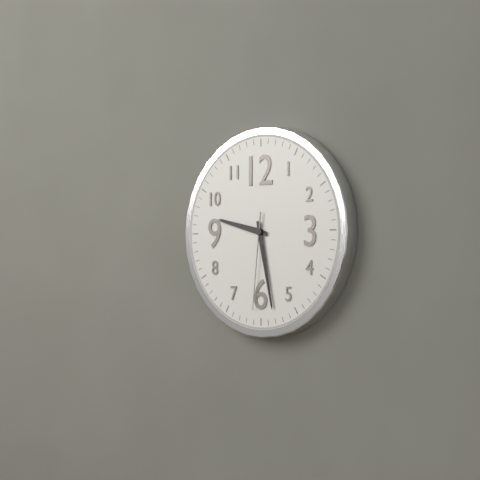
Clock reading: 9h28m31s
